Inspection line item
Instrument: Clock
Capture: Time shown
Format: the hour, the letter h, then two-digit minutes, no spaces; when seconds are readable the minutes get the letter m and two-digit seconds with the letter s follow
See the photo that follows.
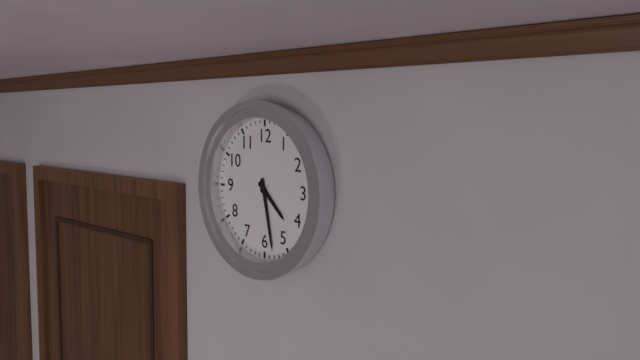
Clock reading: 4h28
